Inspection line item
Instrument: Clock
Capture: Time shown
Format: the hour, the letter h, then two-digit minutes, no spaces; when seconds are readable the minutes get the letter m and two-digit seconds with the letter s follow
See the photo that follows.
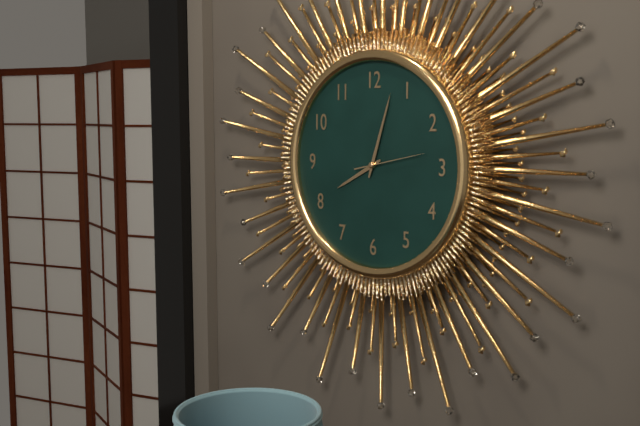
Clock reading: 8h03m13s
